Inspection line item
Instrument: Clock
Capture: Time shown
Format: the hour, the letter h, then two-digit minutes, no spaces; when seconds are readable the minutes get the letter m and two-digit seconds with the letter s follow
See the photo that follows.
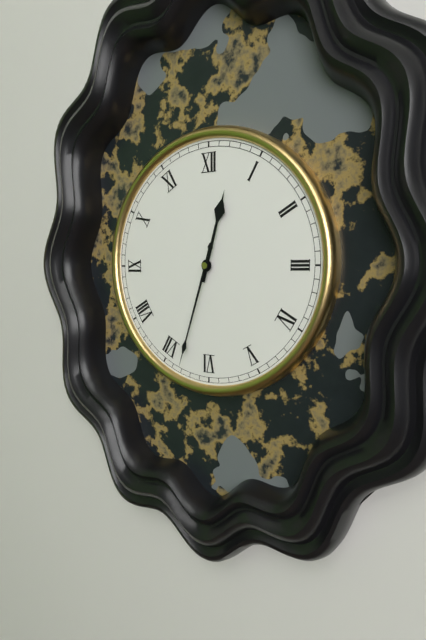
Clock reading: 12h33
